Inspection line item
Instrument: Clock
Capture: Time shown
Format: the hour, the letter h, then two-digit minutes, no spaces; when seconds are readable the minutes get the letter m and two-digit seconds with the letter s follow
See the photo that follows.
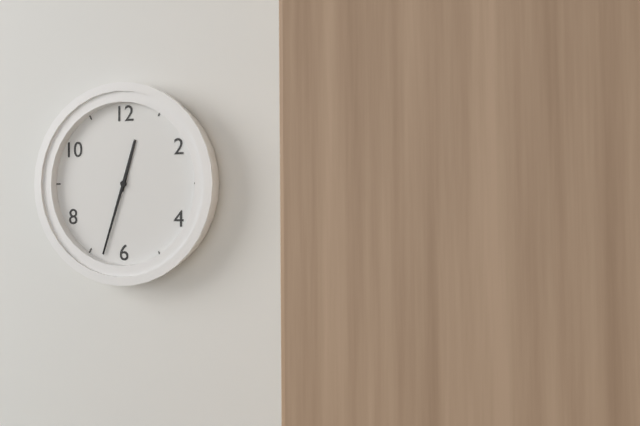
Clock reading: 12h33
